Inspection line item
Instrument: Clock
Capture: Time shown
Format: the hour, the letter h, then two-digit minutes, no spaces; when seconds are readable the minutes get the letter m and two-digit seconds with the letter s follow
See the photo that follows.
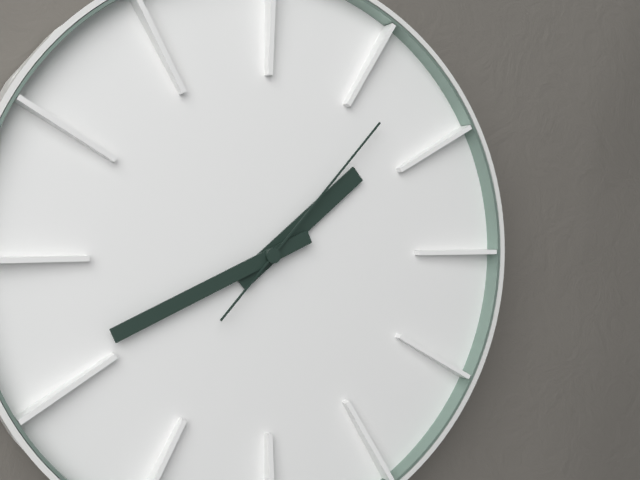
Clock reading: 1h41m07s
